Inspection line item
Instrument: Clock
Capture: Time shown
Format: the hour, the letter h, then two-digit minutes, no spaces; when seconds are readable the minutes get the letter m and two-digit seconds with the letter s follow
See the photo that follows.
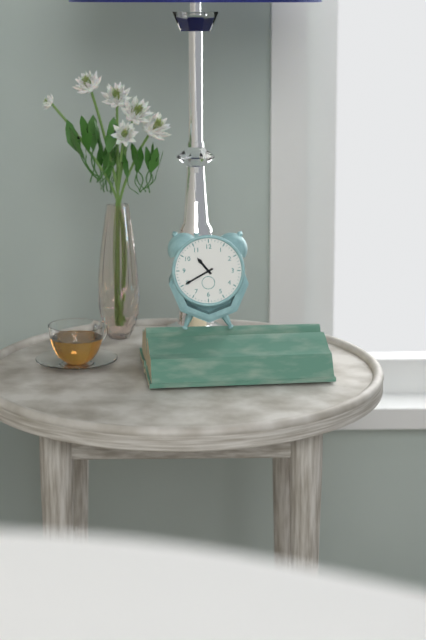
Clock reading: 10h40
